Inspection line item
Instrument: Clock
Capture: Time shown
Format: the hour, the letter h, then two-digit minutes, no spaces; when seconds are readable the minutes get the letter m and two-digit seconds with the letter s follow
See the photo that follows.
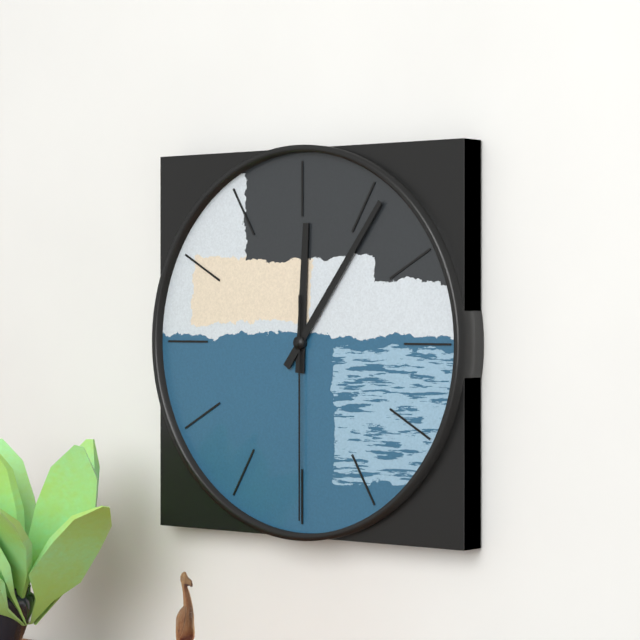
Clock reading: 12h06m30s
